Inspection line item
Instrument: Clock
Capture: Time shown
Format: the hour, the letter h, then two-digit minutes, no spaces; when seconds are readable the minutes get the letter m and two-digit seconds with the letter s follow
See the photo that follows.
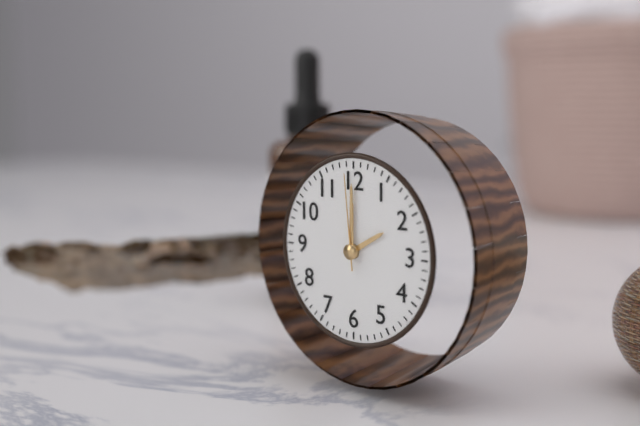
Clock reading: 2h00m59s
